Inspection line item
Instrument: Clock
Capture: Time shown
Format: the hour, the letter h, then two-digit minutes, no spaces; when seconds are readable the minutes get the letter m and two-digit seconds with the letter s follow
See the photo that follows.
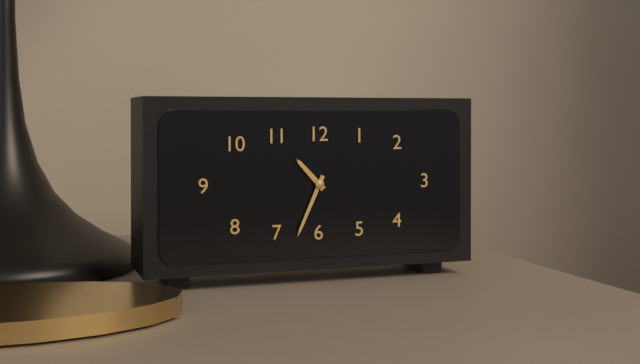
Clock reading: 10h34
